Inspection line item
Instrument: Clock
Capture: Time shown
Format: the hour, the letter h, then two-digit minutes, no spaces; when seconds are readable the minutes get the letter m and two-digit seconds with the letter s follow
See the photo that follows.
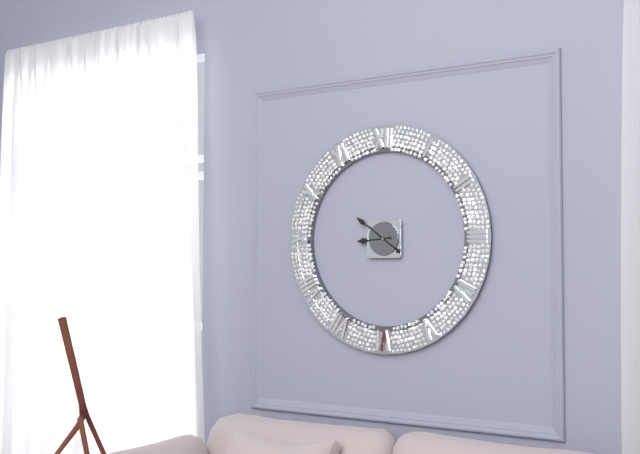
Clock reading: 8h51
